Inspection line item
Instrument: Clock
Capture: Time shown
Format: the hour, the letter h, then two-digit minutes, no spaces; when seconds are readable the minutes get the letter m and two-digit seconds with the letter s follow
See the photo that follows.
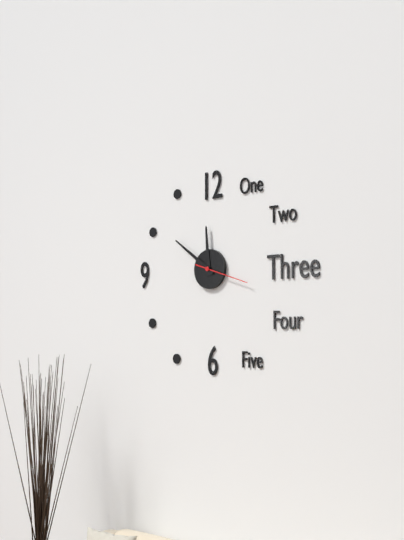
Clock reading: 11h51m18s
